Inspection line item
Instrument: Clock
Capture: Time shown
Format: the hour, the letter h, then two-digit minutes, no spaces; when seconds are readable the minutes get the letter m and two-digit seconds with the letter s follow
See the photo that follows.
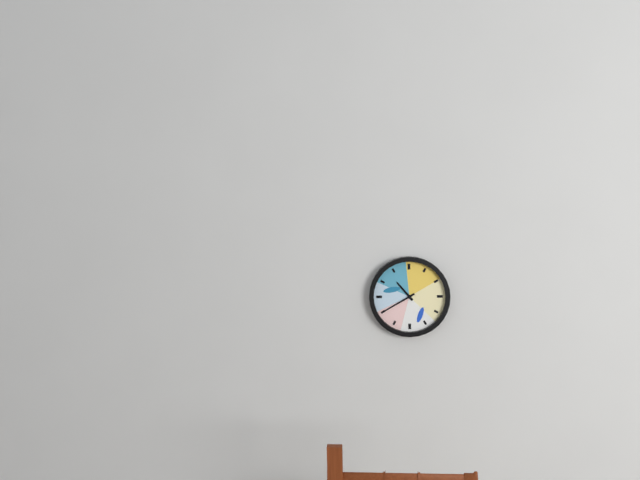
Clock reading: 10h40
